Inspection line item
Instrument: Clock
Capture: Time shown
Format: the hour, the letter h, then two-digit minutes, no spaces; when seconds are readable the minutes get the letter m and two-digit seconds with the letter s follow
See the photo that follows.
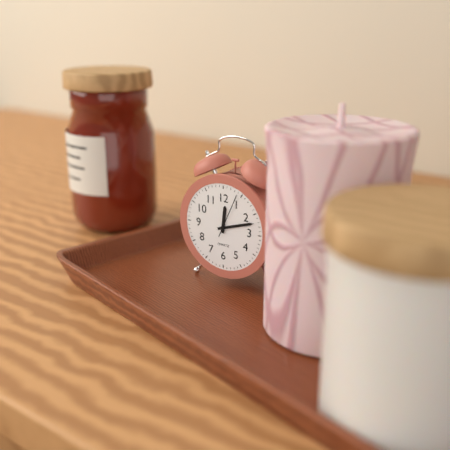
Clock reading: 12h12
